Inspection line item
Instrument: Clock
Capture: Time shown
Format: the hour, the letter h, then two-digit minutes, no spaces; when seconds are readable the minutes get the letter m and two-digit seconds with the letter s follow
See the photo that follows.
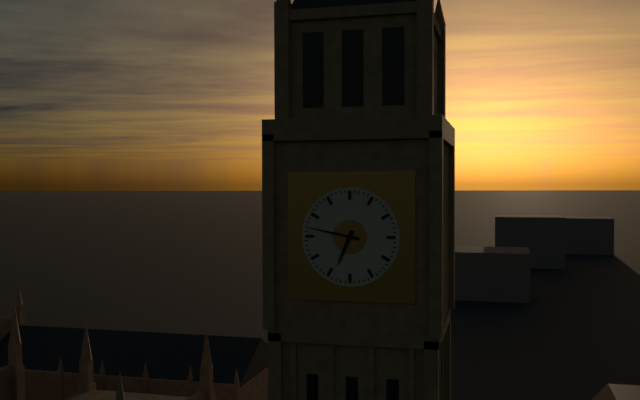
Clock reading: 6h47
